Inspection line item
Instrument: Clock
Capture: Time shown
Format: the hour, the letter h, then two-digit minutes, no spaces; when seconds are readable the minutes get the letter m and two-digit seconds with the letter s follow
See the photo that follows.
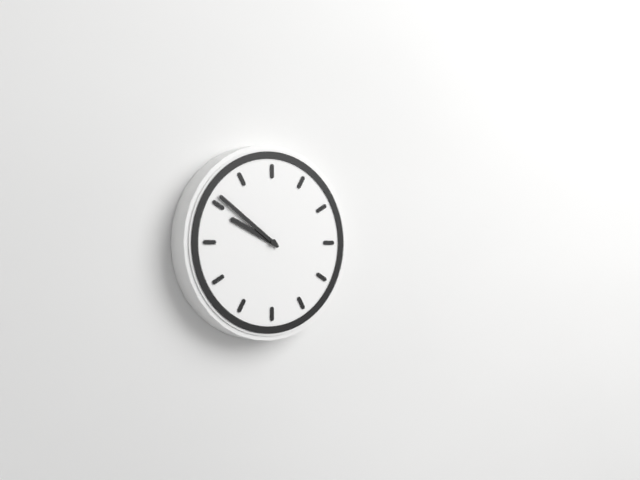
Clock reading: 9h51
